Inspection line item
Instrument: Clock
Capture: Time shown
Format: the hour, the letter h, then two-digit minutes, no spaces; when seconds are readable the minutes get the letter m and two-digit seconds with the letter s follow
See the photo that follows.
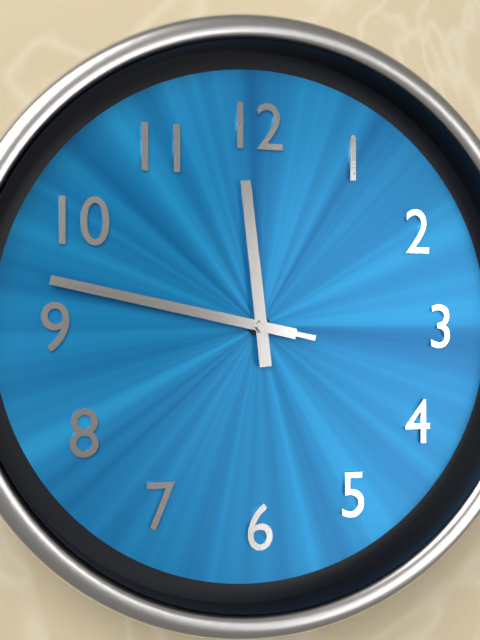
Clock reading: 11h47m47s
